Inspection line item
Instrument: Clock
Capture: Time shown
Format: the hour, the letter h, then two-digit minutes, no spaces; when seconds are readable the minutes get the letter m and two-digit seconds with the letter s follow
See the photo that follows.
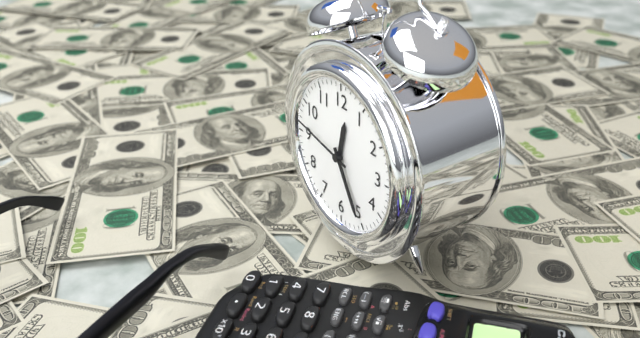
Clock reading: 12h25m47s
